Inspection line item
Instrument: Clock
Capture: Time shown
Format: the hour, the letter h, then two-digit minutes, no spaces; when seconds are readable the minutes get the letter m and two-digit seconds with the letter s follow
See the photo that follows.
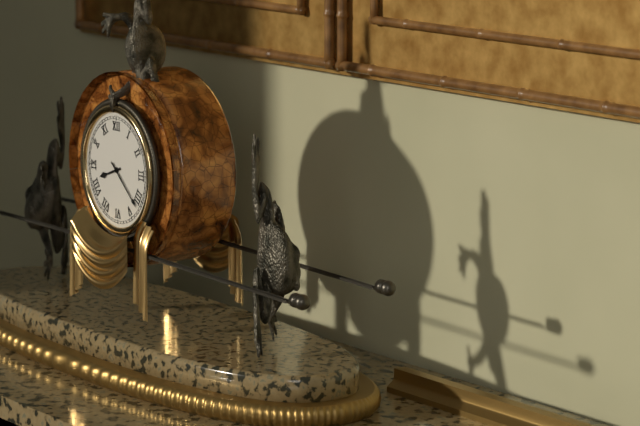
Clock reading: 8h22
